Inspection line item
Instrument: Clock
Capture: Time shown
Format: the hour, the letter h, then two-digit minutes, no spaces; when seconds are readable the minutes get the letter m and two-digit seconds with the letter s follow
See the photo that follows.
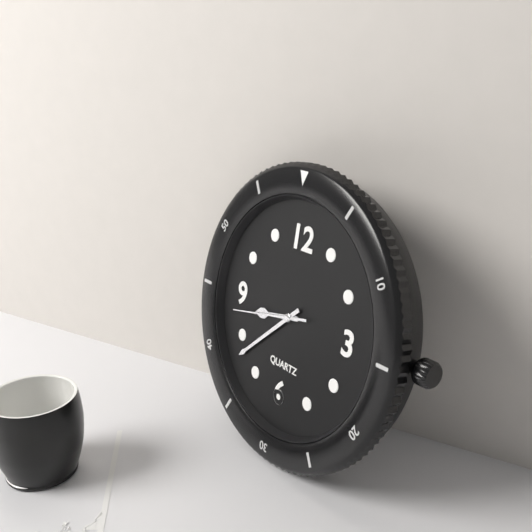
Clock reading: 8h38m43s
